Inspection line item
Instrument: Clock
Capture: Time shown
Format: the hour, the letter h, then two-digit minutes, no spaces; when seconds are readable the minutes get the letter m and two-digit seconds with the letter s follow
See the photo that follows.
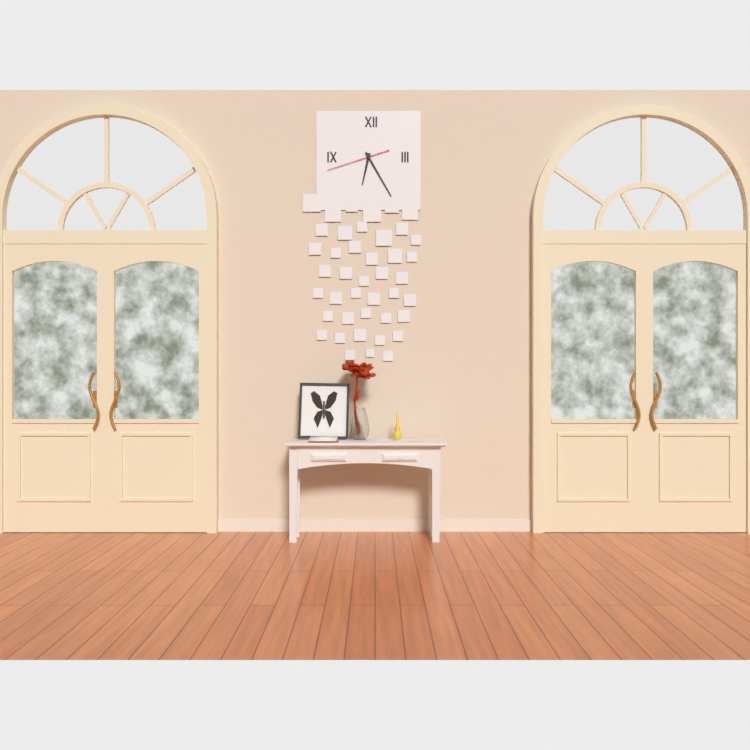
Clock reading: 6h25m42s
